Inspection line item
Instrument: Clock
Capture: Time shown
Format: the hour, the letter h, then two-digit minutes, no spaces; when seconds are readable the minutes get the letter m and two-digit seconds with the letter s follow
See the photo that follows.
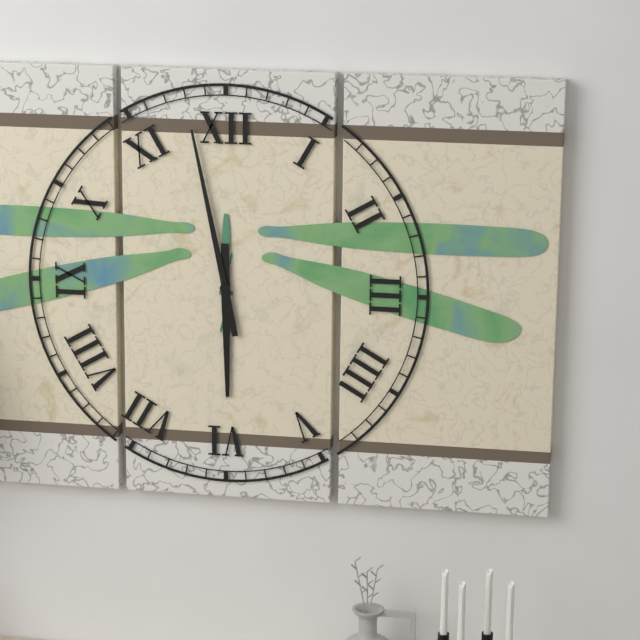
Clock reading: 5h58
